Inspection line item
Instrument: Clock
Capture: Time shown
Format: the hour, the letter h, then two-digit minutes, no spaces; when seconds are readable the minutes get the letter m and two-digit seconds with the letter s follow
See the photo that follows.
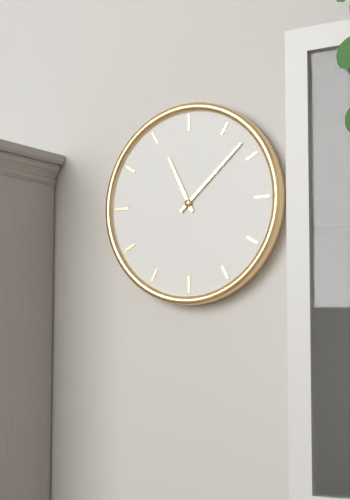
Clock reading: 11h08
